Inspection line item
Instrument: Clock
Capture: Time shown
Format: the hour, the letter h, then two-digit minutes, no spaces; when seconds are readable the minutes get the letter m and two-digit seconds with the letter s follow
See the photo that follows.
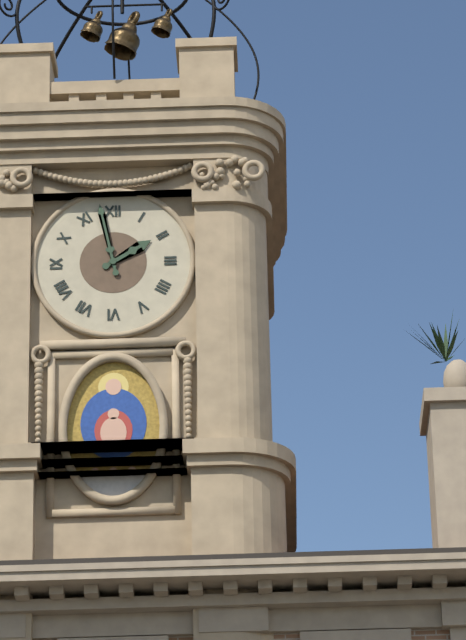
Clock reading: 1h58
